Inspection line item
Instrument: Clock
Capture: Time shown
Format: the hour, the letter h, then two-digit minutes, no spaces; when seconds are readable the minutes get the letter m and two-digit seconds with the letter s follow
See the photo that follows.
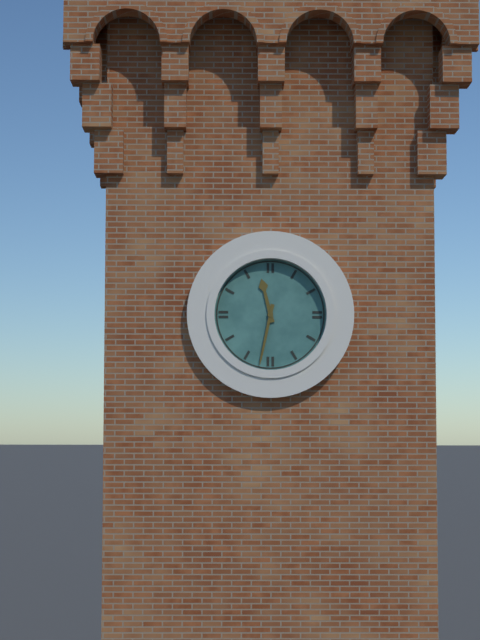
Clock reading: 11h32
